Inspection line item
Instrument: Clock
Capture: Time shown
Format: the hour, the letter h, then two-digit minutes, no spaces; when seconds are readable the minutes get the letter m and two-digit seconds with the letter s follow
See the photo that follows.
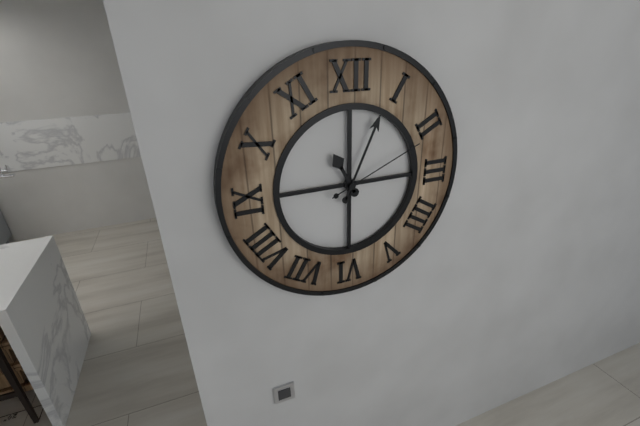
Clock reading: 11h04m11s
